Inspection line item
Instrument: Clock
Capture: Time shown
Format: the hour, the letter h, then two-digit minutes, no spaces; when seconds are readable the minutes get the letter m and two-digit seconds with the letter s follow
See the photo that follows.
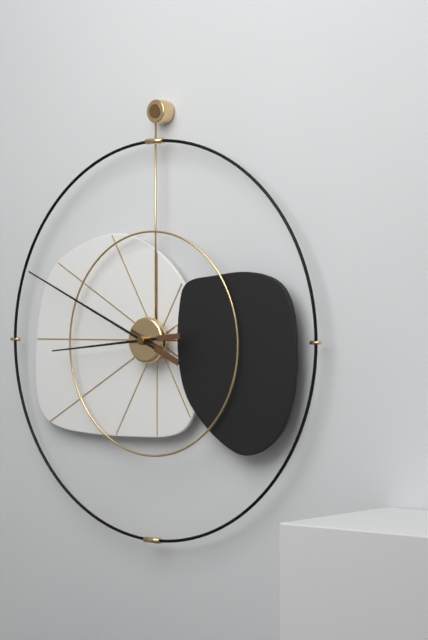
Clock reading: 8h49
